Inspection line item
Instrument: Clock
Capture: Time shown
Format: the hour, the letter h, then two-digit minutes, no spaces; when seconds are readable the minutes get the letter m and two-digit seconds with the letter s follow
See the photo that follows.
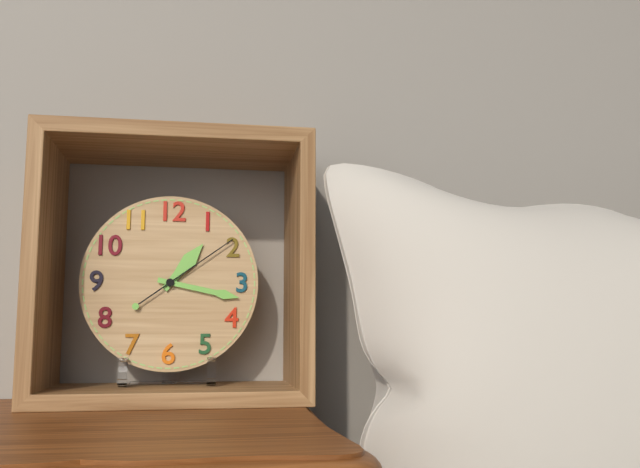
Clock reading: 1h17m09s
